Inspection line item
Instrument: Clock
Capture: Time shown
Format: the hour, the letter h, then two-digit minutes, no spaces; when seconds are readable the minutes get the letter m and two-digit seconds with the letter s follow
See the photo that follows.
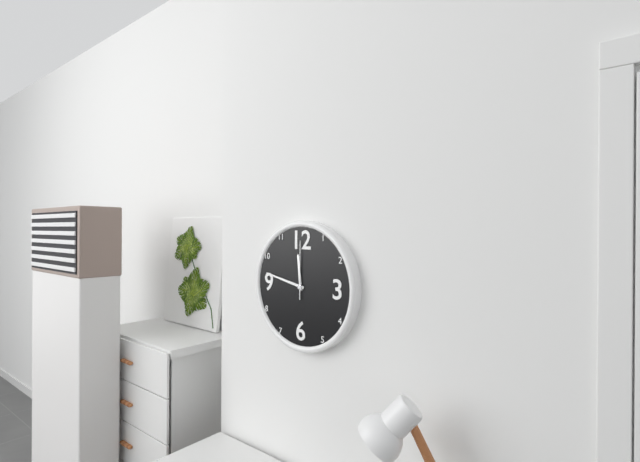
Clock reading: 11h47m00s
